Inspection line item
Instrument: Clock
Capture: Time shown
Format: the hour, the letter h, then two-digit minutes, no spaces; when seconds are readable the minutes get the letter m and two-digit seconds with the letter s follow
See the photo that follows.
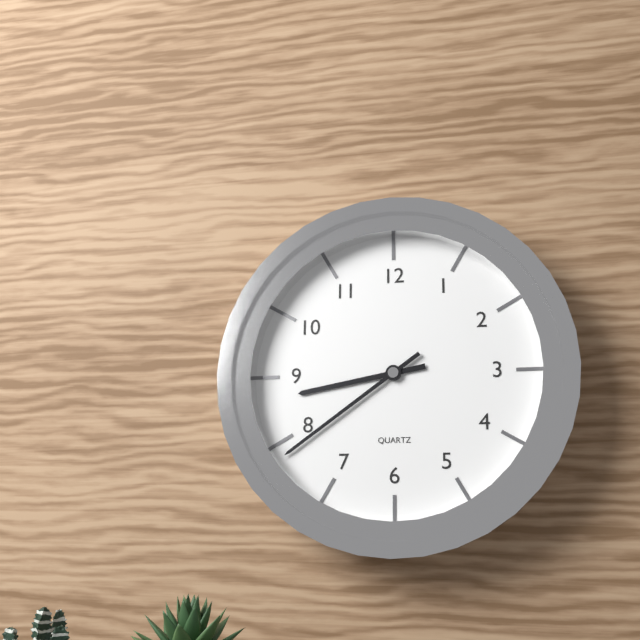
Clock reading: 8h39
